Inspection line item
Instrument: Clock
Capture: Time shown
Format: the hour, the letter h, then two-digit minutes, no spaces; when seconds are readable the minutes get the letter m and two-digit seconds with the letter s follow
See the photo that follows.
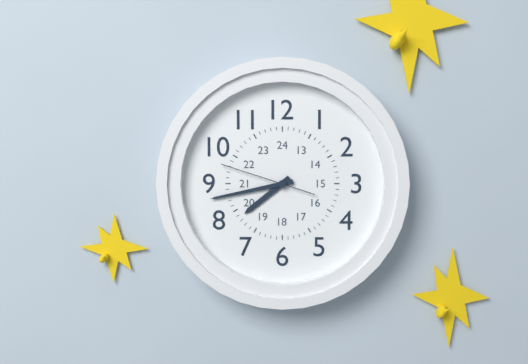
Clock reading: 7h43m48s
